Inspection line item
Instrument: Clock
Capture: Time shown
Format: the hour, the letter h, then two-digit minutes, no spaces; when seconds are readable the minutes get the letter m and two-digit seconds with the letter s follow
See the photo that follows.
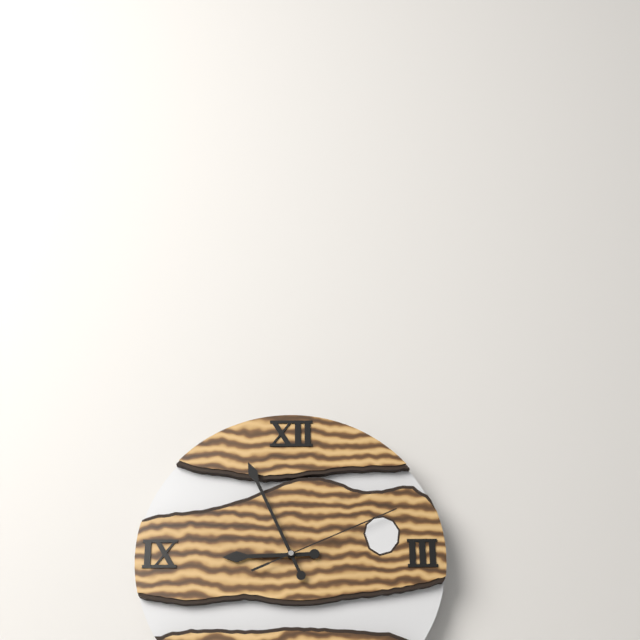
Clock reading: 8h56m11s
